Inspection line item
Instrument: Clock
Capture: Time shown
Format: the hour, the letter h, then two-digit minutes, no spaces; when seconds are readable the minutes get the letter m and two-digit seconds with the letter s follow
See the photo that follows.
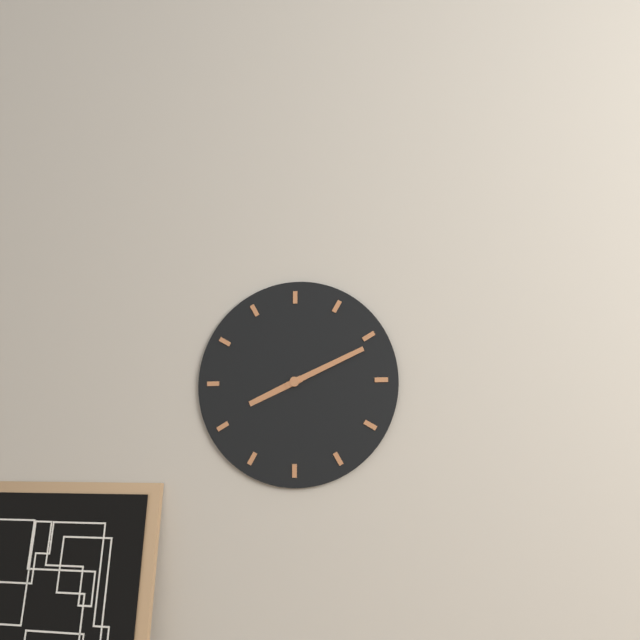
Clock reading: 8h11
